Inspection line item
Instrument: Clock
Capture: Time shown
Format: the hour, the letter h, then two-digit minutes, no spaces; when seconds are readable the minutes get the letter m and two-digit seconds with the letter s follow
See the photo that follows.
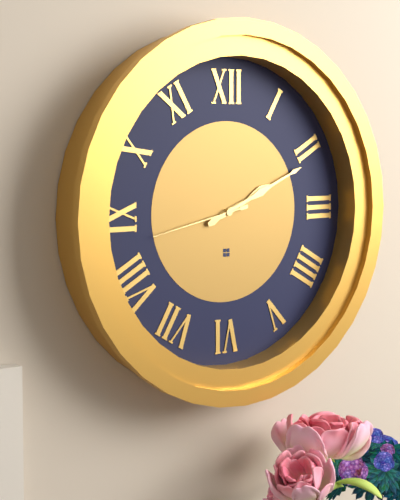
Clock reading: 2h11m43s
